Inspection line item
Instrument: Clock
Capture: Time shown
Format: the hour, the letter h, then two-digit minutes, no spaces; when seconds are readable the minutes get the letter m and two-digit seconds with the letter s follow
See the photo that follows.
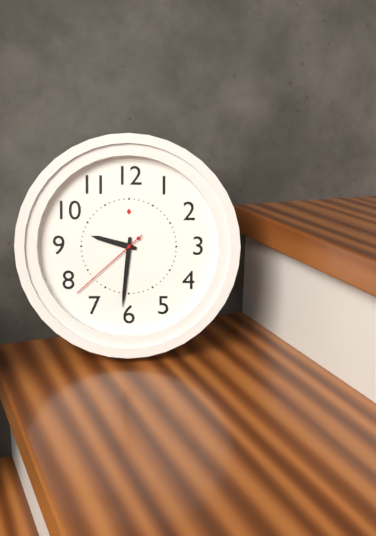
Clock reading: 9h31m38s
